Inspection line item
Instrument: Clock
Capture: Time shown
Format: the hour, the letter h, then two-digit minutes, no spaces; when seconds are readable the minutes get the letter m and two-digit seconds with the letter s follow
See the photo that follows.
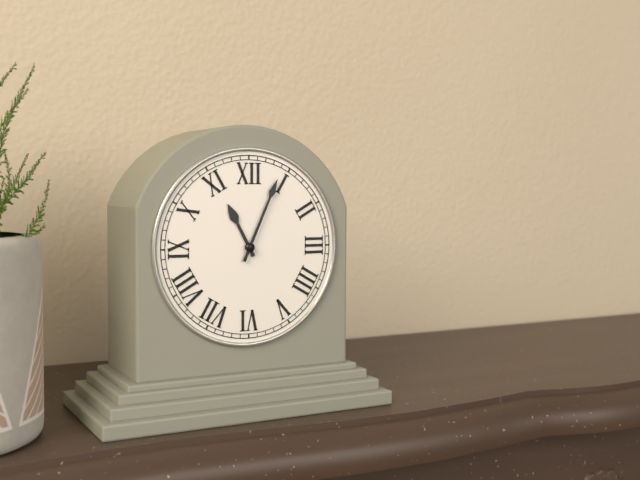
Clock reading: 11h04
